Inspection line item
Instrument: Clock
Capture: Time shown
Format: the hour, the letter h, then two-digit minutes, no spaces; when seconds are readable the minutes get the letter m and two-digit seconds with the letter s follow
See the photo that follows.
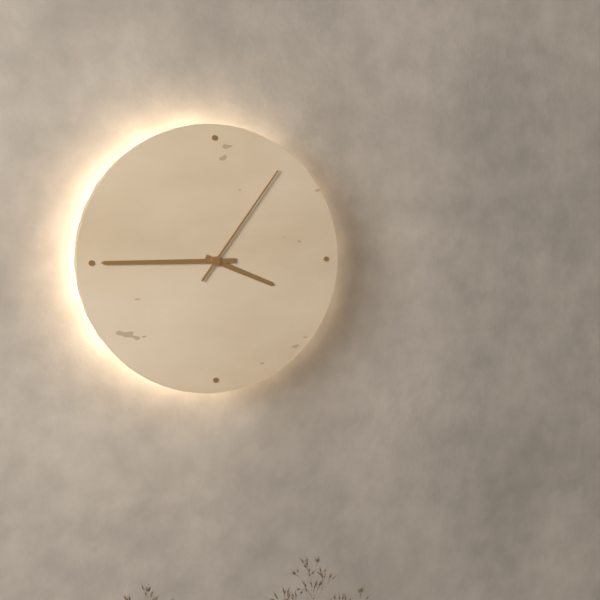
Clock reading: 3h45m06s
